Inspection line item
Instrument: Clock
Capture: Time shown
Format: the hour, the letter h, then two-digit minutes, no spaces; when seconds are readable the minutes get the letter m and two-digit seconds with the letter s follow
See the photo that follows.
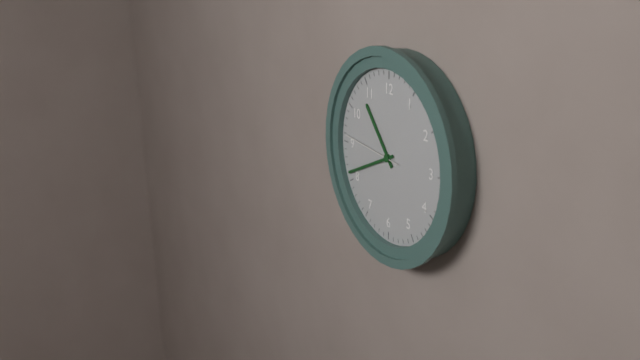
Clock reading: 10h41m46s
